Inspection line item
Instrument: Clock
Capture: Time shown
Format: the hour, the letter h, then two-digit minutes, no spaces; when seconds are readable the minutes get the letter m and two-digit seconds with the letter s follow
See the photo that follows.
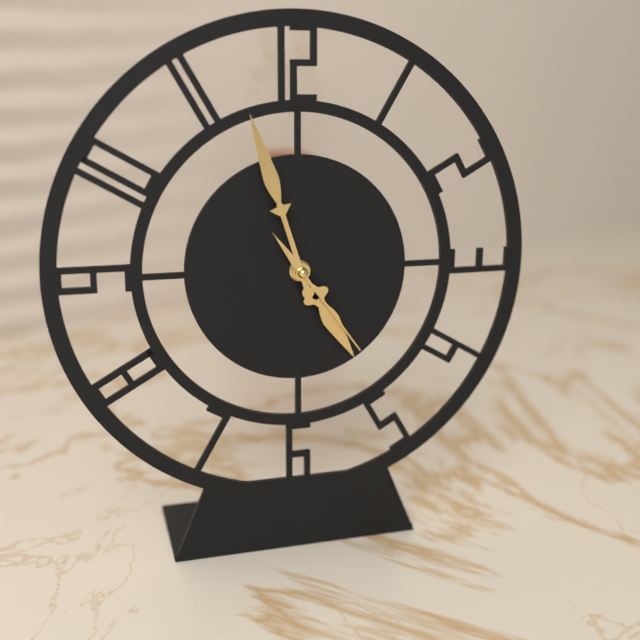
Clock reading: 4h57m24s
